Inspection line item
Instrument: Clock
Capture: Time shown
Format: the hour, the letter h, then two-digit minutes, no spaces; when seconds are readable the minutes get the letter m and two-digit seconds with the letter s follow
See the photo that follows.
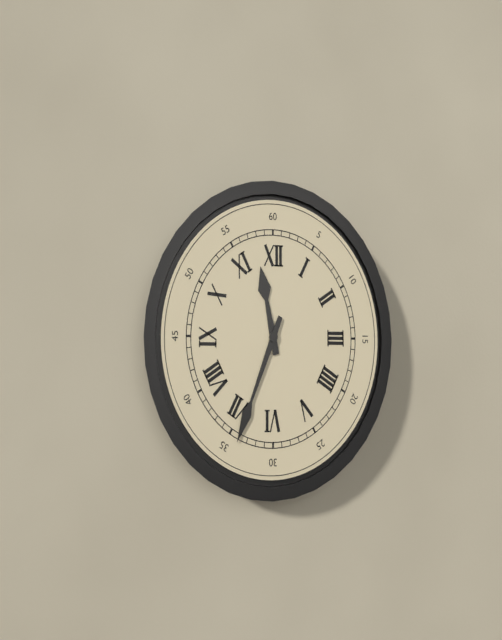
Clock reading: 11h34
